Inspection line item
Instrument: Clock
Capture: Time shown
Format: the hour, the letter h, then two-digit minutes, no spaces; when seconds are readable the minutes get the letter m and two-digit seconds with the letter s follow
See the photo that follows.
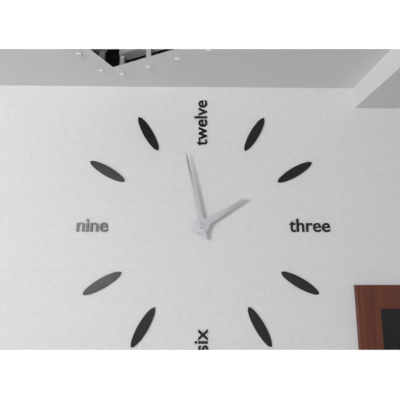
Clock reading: 1h58
